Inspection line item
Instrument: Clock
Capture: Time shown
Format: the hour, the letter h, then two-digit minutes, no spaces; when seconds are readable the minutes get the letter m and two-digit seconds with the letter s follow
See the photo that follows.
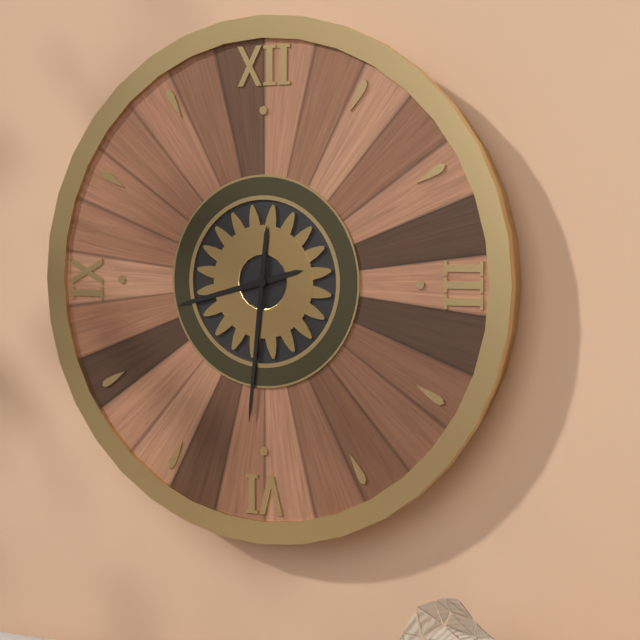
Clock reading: 8h31
